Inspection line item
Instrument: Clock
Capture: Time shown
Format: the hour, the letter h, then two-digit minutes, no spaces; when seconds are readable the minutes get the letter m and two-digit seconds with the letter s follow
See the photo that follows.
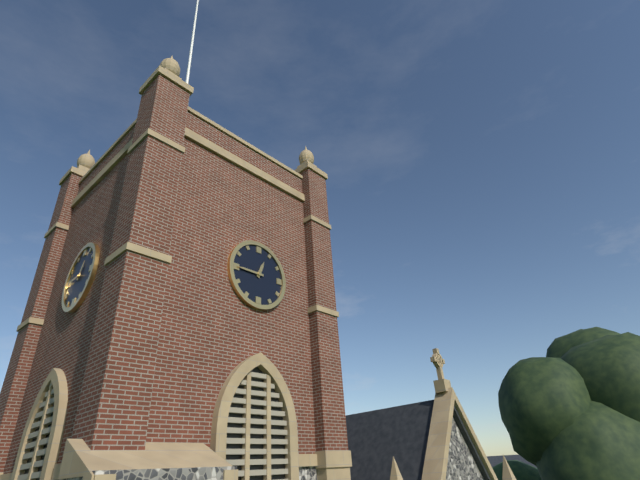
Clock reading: 12h45
